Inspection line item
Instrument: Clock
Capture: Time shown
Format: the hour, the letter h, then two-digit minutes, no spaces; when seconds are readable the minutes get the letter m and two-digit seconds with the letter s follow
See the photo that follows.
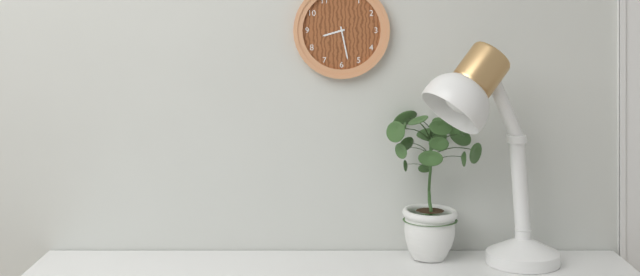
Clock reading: 8h28
